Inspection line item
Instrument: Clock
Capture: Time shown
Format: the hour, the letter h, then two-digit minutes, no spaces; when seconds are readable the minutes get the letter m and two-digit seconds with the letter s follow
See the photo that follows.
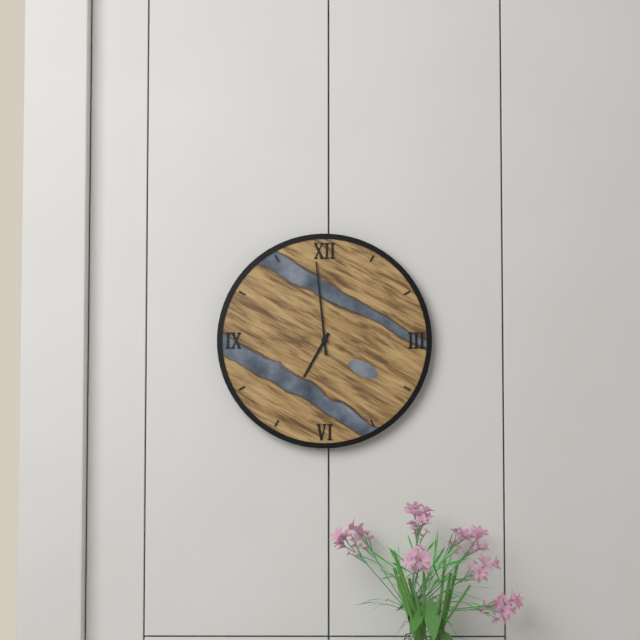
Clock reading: 6h59
